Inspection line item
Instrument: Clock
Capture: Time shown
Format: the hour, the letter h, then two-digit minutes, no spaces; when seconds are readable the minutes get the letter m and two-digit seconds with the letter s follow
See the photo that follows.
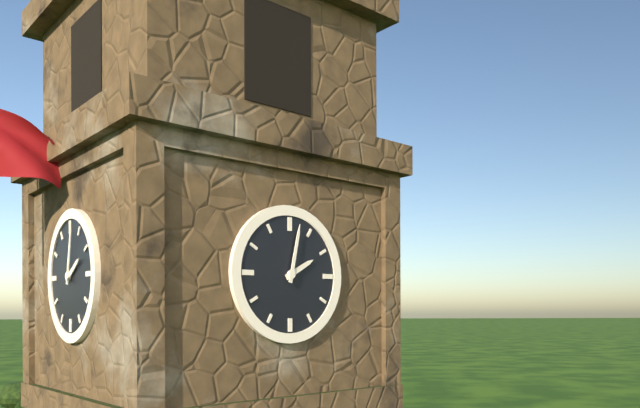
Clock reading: 2h02
